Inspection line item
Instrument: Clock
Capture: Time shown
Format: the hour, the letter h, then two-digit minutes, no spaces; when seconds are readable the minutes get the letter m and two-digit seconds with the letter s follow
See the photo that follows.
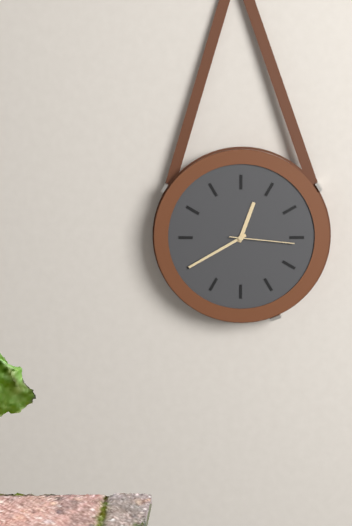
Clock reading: 12h40m16s
